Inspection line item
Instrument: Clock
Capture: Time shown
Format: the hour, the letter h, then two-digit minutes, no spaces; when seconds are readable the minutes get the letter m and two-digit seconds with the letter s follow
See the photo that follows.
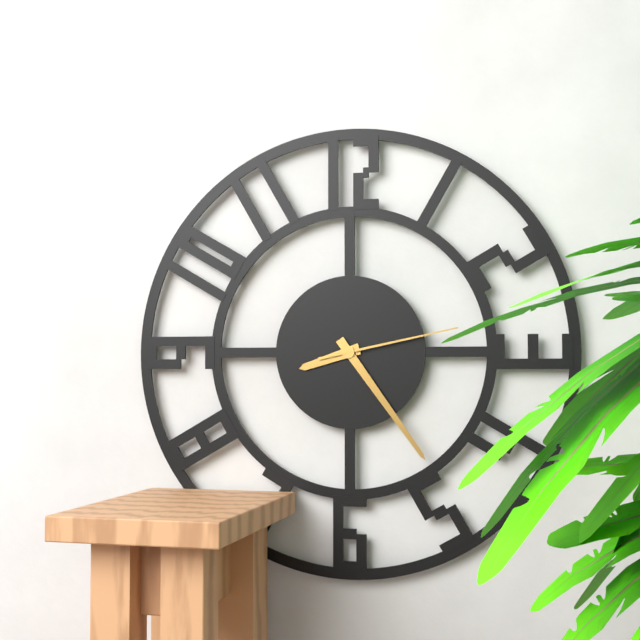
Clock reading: 8h24m13s
